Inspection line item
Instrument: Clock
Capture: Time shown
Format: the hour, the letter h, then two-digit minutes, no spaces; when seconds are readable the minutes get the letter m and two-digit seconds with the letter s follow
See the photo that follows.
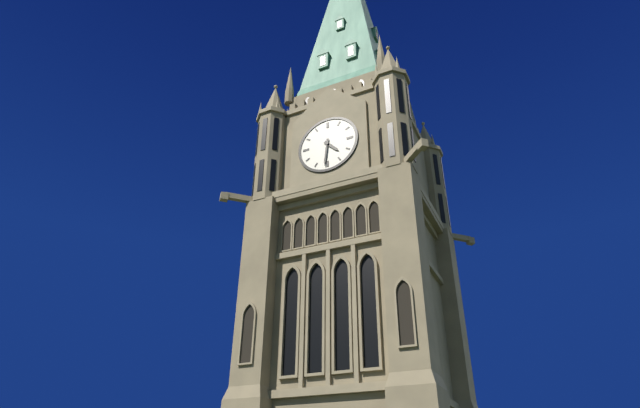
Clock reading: 4h31
